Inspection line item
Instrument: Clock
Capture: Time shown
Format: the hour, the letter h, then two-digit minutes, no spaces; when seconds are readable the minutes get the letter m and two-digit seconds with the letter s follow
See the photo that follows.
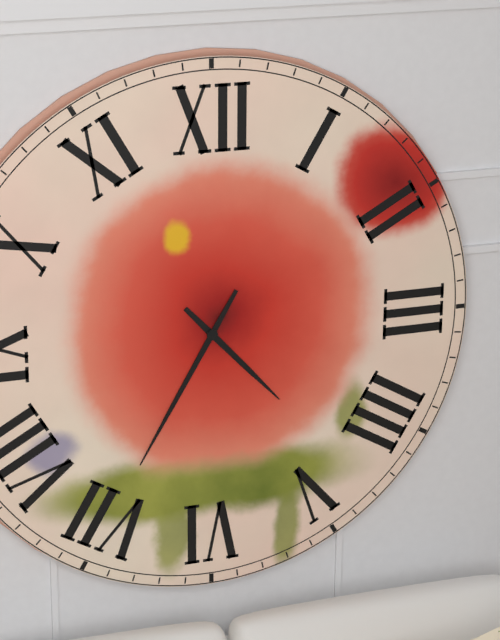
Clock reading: 4h35
